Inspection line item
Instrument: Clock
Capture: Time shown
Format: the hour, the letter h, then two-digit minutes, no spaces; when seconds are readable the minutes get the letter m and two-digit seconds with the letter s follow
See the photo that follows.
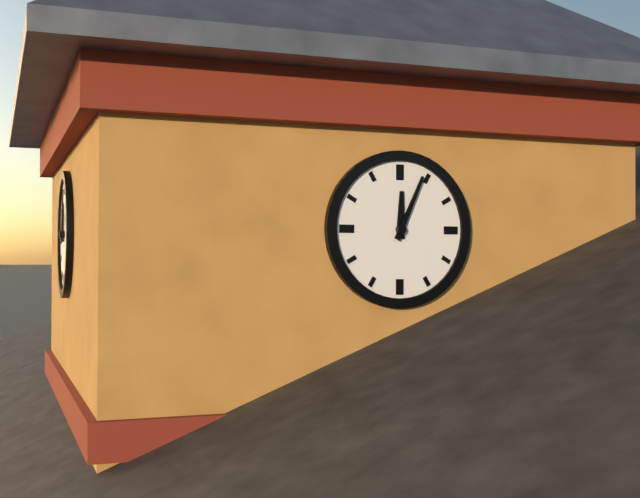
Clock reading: 12h04
